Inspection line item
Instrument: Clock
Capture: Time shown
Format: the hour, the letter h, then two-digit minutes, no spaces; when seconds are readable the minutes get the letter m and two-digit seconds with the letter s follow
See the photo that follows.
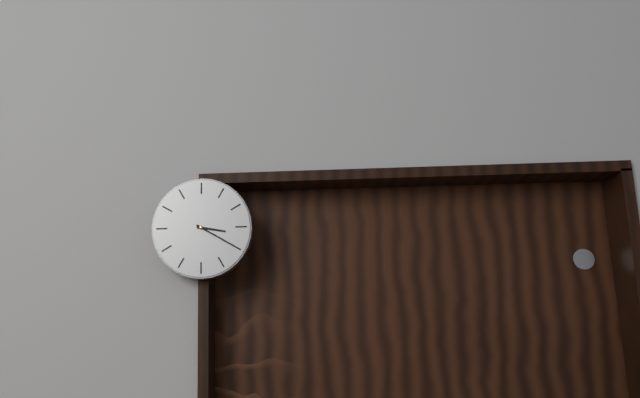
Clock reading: 3h20
